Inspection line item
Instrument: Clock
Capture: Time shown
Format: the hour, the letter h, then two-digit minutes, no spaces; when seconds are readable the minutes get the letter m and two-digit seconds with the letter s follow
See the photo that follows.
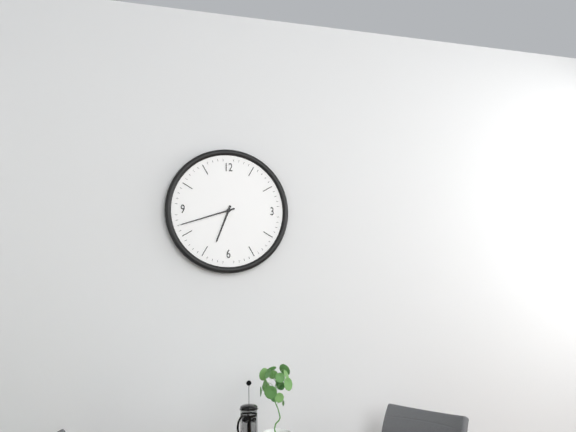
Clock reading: 6h42
